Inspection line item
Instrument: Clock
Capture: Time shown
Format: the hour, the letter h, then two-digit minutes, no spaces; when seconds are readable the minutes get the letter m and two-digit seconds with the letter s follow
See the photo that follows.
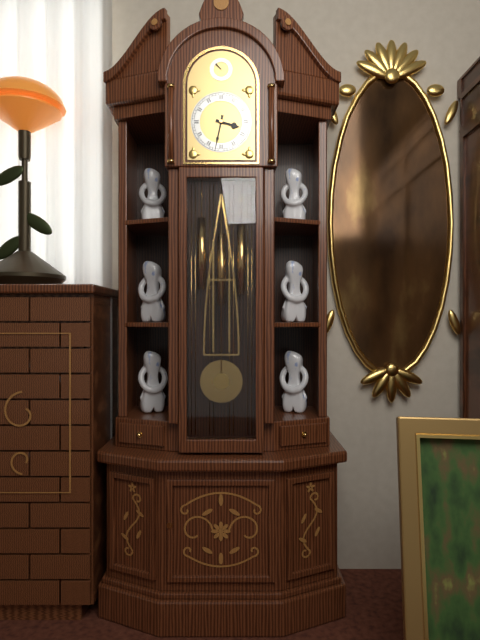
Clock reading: 3h32
